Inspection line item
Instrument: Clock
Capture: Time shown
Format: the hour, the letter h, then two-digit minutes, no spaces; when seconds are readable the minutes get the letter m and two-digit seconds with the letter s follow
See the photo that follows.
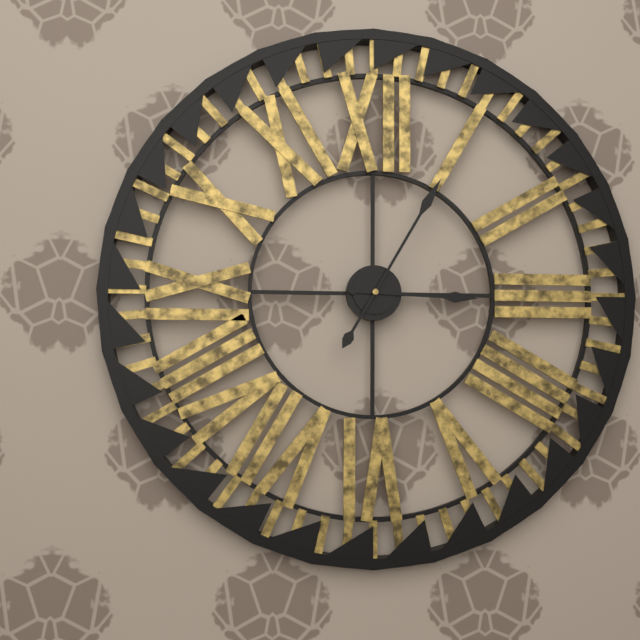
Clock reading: 3h05
